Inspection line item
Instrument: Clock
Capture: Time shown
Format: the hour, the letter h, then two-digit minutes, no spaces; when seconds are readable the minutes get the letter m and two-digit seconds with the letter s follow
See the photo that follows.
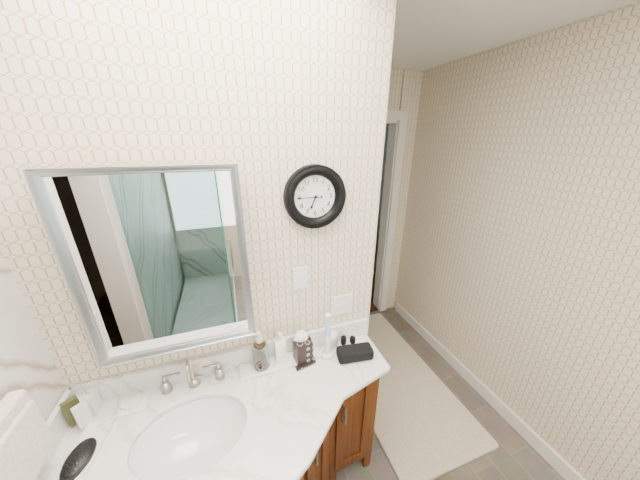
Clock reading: 6h45
